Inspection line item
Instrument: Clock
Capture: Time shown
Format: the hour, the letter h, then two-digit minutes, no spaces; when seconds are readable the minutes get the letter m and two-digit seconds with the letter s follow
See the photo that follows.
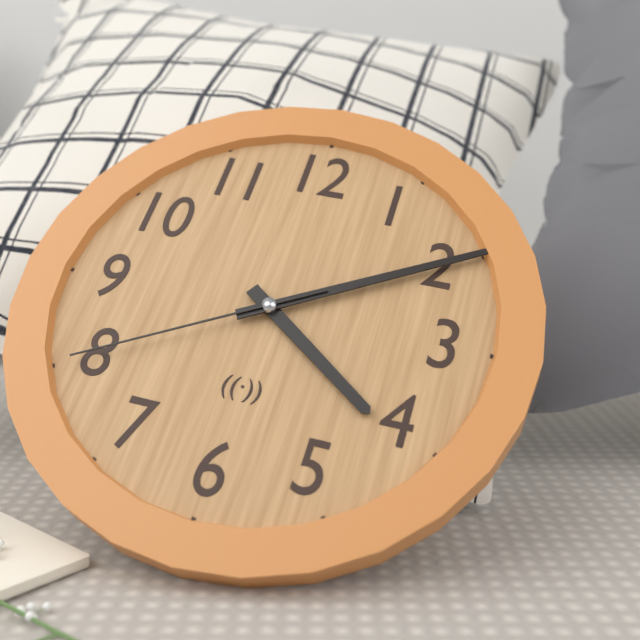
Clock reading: 4h10m40s
